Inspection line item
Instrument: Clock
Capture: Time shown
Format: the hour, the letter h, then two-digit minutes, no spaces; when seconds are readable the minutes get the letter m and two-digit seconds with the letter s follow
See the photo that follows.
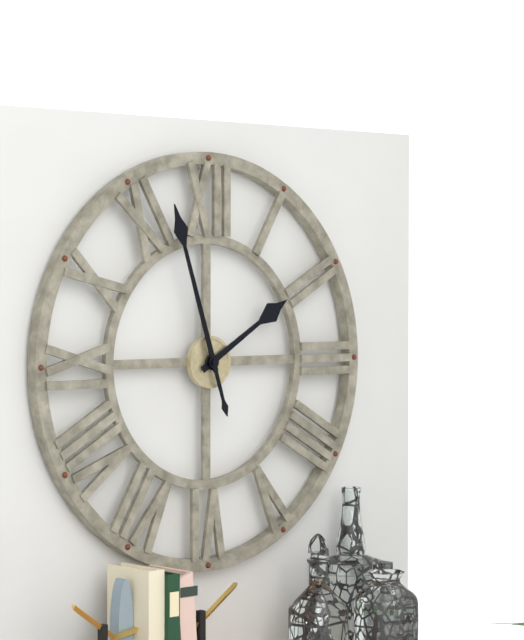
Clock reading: 1h57
